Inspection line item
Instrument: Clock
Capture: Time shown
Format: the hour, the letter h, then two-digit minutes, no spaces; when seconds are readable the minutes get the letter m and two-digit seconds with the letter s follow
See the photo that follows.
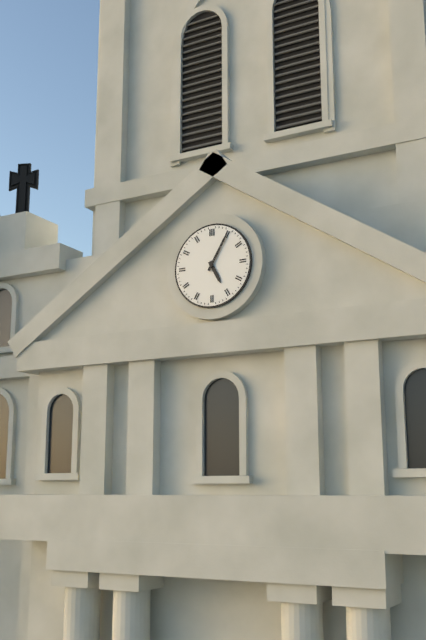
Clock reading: 5h05
